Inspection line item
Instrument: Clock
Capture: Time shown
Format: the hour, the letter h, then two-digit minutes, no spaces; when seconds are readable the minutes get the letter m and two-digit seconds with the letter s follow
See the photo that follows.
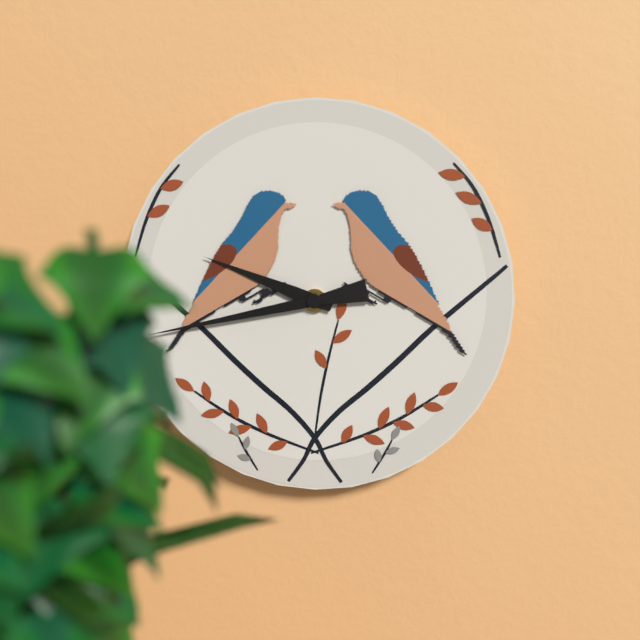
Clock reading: 9h43
